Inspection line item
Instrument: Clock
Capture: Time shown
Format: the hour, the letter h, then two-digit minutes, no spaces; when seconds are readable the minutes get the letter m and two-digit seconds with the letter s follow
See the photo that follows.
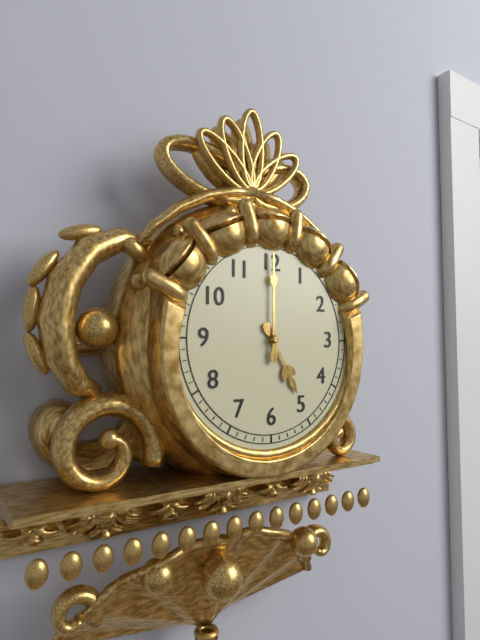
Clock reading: 5h00
